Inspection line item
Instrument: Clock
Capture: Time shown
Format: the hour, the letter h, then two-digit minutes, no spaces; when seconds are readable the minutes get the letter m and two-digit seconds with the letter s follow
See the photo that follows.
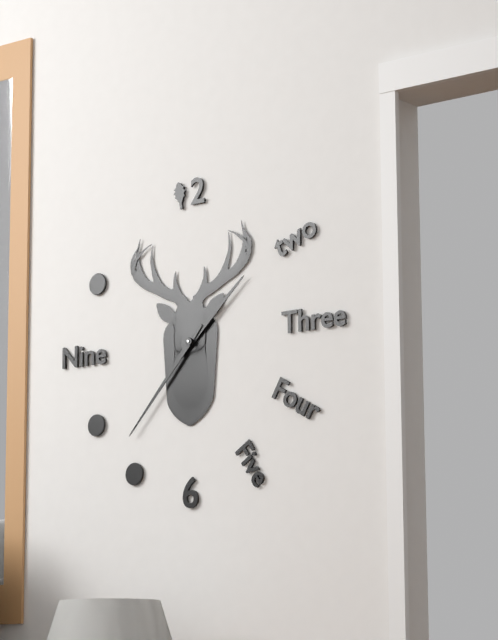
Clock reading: 1h37
